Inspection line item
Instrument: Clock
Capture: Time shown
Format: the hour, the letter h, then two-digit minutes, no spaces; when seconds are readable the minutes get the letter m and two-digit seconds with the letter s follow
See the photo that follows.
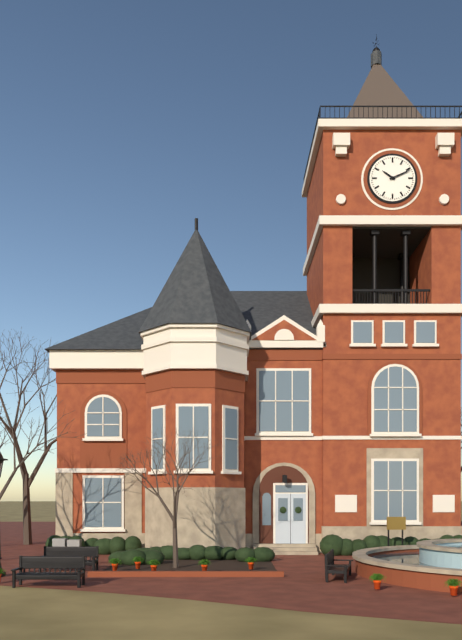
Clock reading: 10h11
